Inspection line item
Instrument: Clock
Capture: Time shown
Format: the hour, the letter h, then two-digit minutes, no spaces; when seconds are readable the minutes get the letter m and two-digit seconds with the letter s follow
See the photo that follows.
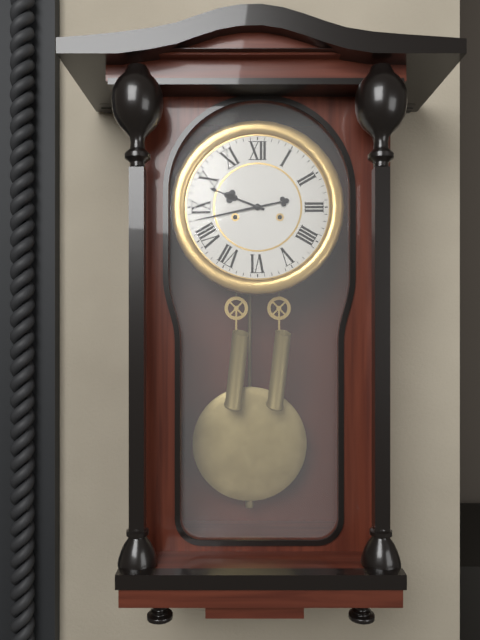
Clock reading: 9h43
